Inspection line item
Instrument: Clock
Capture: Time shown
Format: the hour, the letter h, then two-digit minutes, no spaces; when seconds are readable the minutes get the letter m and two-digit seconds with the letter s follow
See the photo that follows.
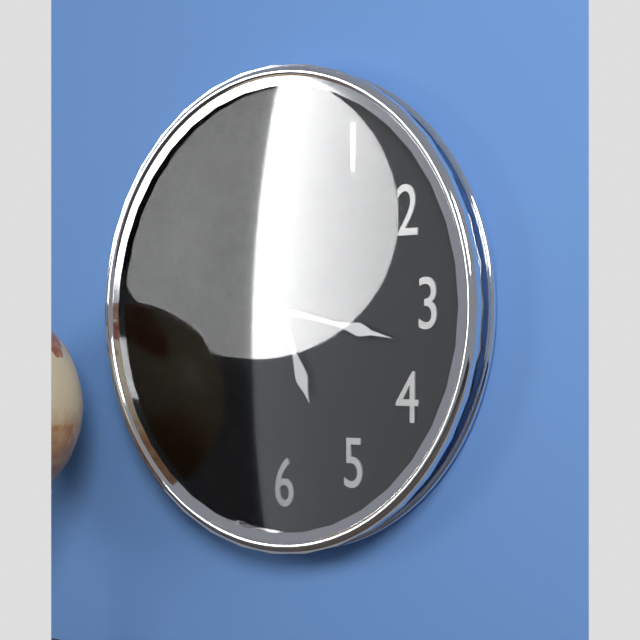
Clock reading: 5h17
